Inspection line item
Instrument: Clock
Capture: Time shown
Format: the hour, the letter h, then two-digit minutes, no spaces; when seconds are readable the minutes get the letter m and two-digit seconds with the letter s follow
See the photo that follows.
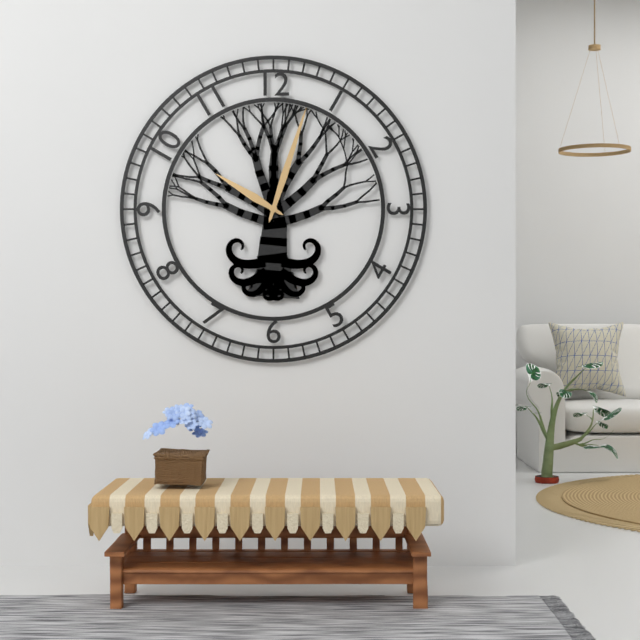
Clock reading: 10h03
